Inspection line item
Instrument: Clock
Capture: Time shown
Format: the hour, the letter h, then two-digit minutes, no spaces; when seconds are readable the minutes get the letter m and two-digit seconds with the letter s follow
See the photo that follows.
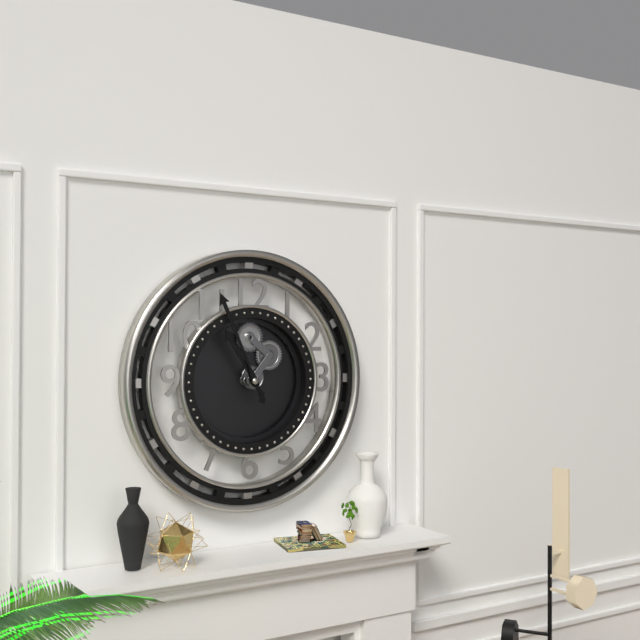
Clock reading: 10h56
